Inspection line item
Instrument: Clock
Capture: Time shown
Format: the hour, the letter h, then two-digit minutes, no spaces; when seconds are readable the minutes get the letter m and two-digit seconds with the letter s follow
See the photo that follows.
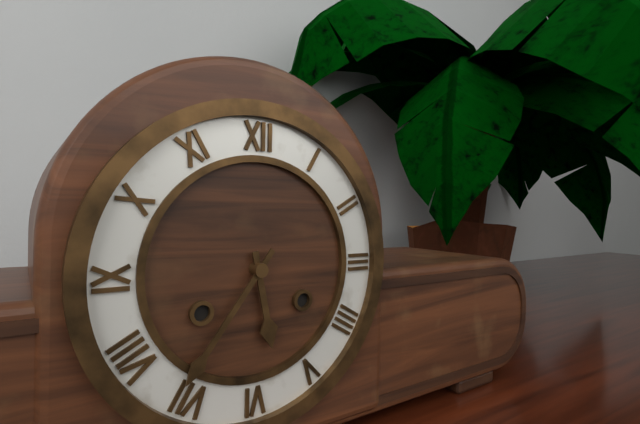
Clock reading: 5h36
